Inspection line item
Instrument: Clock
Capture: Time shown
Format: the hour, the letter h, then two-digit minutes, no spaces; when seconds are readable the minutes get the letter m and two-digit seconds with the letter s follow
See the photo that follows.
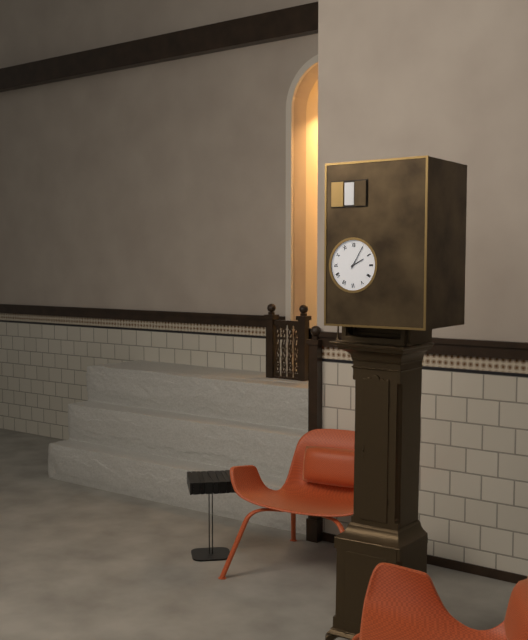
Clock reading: 2h05
